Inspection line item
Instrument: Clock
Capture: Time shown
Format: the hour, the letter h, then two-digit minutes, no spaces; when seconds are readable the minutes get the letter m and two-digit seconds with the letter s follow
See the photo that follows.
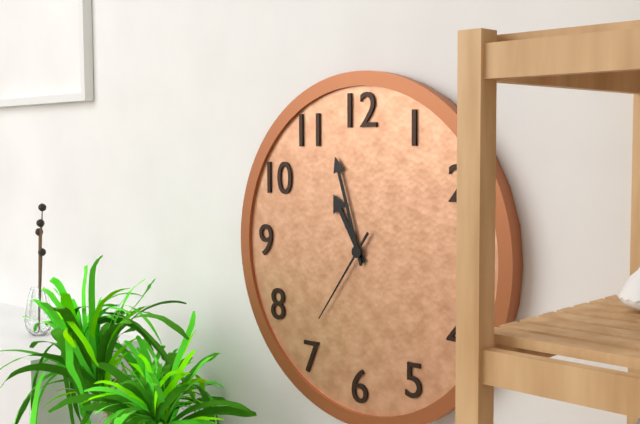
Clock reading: 10h57m36s
